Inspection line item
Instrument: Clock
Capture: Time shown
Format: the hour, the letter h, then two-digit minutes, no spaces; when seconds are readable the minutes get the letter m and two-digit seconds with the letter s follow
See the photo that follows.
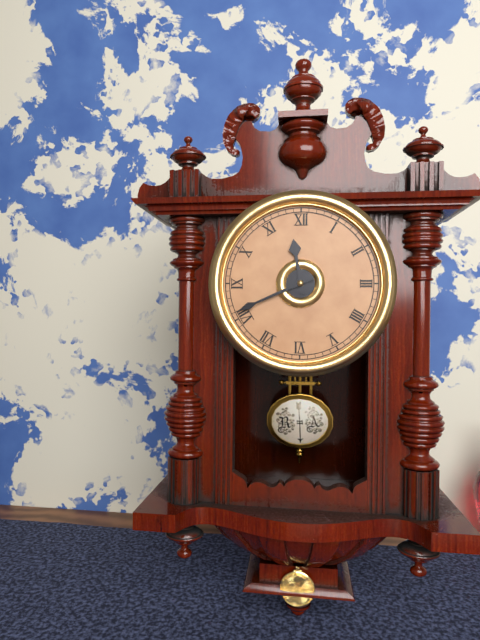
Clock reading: 11h41
